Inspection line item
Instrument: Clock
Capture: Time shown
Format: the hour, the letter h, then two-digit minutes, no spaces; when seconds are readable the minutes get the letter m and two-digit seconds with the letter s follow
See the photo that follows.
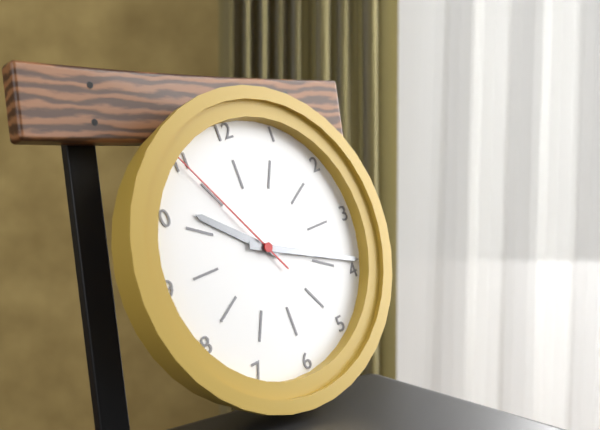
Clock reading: 10h19m55s
